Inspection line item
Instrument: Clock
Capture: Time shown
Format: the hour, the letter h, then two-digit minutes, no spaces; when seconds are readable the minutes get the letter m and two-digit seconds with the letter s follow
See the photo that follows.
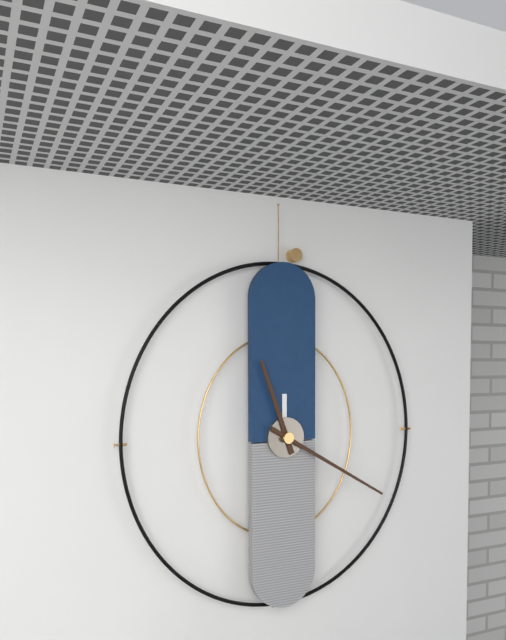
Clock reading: 11h20
